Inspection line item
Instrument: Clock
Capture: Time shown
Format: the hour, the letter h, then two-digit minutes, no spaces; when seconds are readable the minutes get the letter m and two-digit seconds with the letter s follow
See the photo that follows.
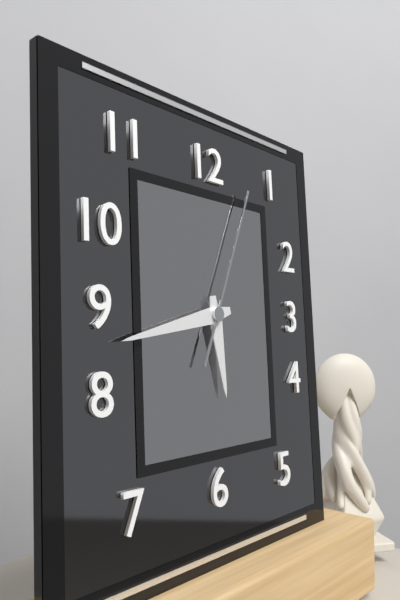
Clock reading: 5h43m04s
